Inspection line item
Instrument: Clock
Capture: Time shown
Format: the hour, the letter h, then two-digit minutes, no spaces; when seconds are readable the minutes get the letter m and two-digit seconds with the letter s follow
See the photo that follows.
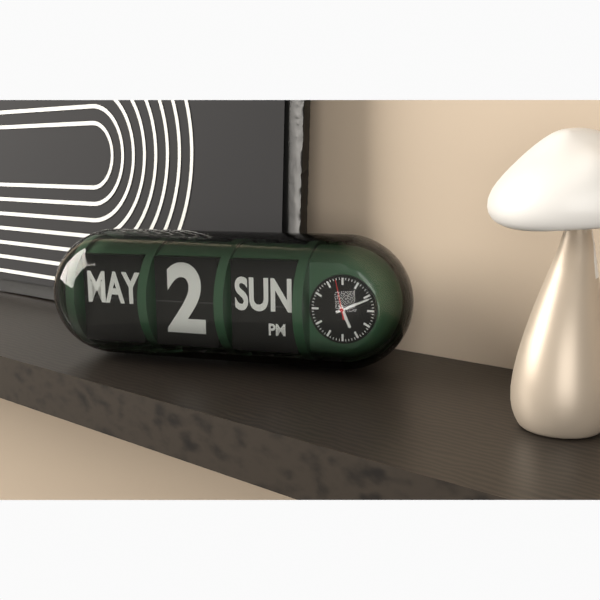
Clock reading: 5h11
